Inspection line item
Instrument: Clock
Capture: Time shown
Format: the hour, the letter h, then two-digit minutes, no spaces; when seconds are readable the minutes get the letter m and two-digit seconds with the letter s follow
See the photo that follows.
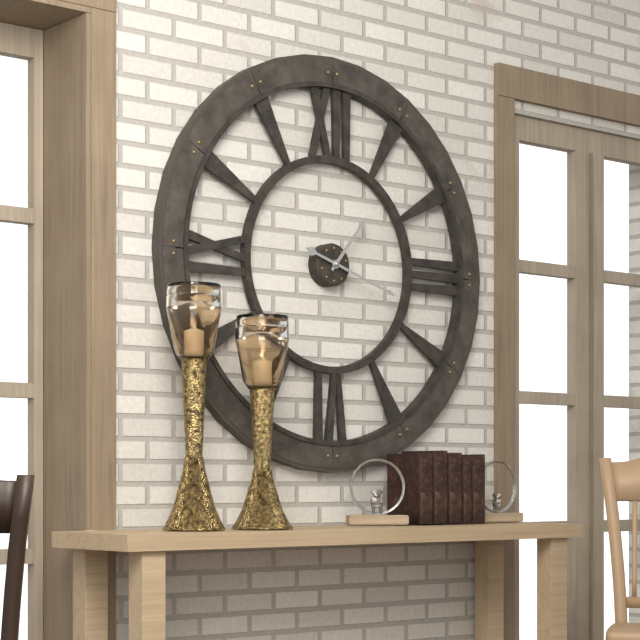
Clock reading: 1h18
